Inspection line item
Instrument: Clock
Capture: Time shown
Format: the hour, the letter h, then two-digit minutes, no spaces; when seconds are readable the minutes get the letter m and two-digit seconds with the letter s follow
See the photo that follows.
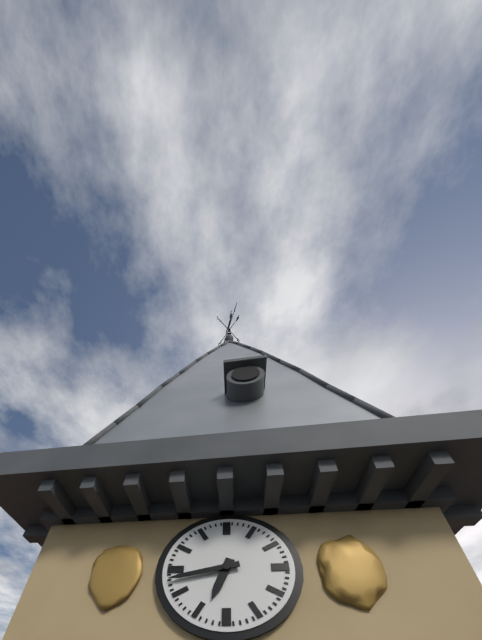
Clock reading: 6h43
